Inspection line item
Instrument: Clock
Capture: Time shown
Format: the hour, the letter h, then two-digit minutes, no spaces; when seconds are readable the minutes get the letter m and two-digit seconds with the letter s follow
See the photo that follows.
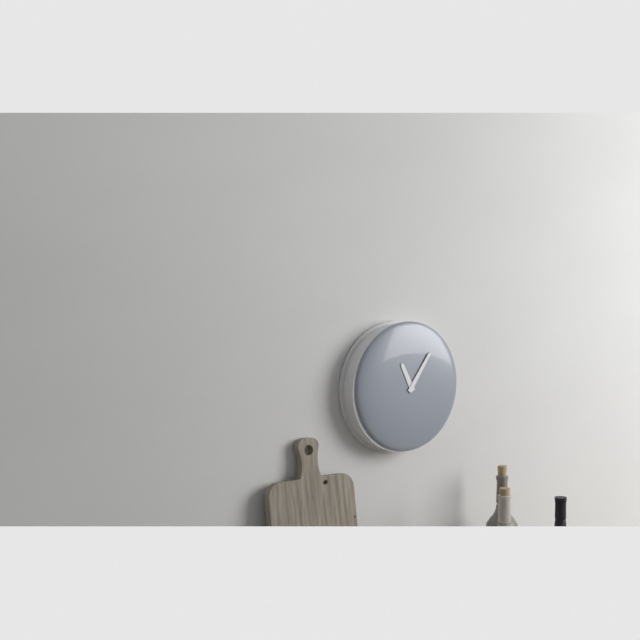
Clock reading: 11h06
